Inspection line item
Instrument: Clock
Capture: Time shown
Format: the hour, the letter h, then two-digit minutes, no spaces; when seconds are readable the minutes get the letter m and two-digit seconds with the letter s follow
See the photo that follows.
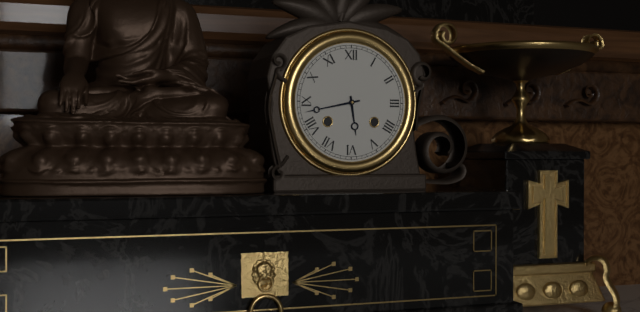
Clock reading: 5h43
